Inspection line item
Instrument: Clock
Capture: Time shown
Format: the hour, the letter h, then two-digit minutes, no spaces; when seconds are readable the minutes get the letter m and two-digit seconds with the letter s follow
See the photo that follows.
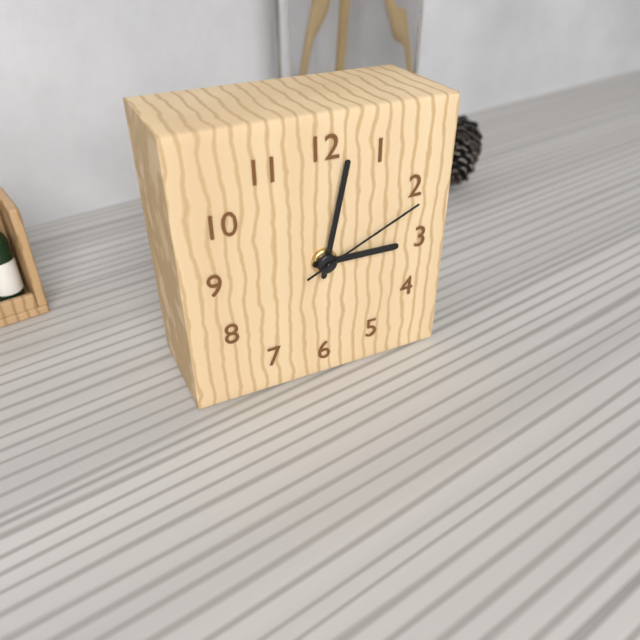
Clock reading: 3h02m11s
